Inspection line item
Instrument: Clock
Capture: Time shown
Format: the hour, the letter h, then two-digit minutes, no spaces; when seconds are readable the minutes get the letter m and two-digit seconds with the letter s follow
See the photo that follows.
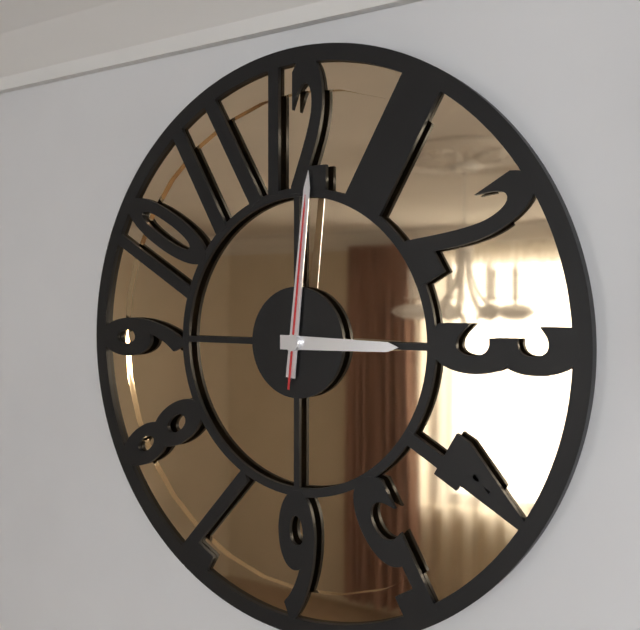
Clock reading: 3h01m01s
